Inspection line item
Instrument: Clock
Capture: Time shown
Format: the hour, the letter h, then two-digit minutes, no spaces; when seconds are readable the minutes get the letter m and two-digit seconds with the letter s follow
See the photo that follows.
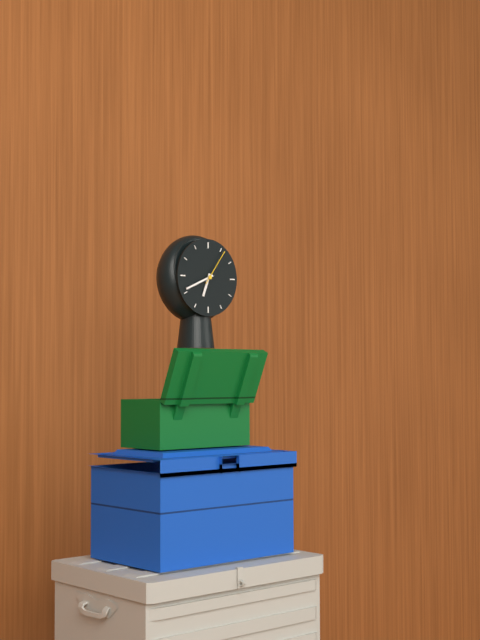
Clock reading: 6h41
